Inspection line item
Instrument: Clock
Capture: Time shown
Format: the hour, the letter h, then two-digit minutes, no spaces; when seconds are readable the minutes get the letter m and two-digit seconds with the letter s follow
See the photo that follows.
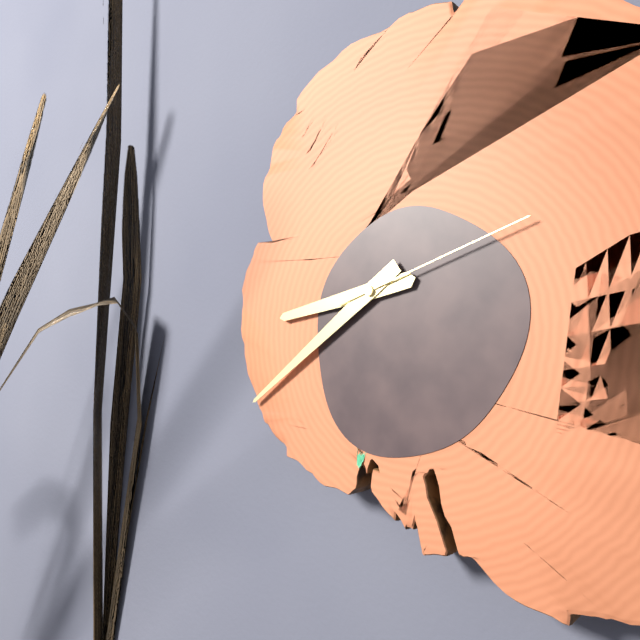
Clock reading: 8h39m12s
